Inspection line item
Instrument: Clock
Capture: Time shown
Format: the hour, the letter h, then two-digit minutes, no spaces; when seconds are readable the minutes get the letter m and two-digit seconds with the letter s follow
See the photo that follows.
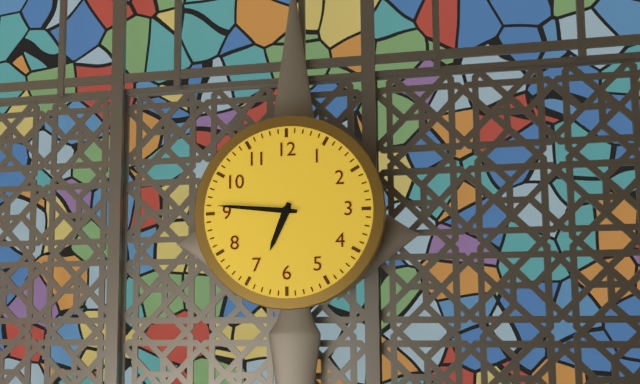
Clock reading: 6h46
